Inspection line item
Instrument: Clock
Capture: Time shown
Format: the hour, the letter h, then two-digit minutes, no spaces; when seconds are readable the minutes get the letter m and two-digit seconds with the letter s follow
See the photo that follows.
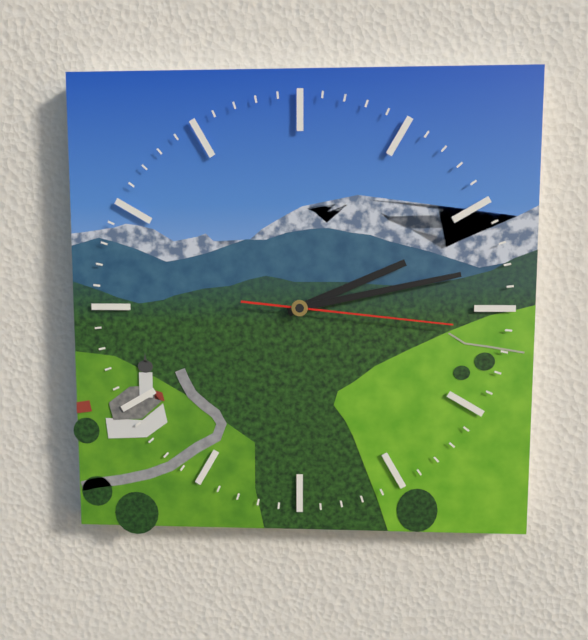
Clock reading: 2h13m16s
